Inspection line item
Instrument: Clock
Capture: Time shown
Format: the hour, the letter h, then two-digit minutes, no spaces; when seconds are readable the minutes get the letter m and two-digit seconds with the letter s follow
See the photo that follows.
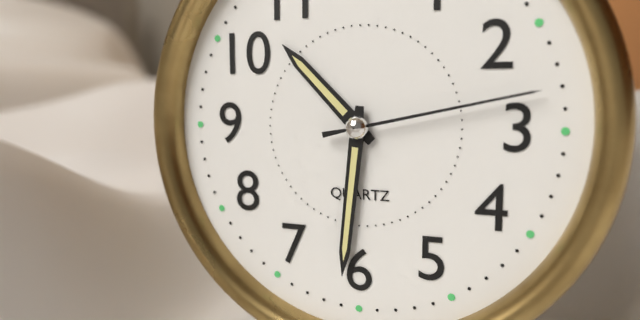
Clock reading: 10h31m13s
